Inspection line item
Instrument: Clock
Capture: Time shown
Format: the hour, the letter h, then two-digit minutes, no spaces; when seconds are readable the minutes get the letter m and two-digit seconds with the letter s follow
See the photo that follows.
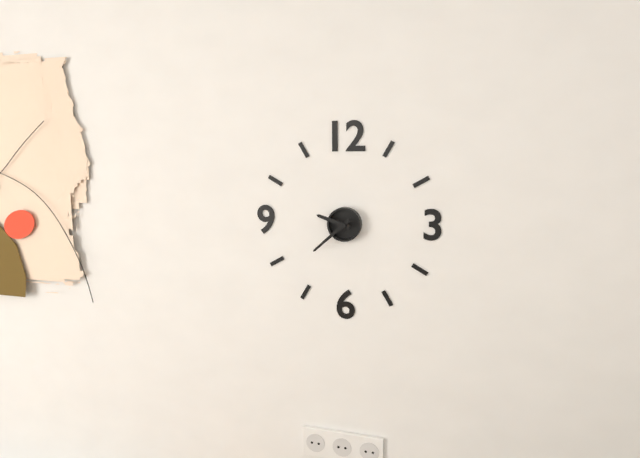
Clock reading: 9h38
